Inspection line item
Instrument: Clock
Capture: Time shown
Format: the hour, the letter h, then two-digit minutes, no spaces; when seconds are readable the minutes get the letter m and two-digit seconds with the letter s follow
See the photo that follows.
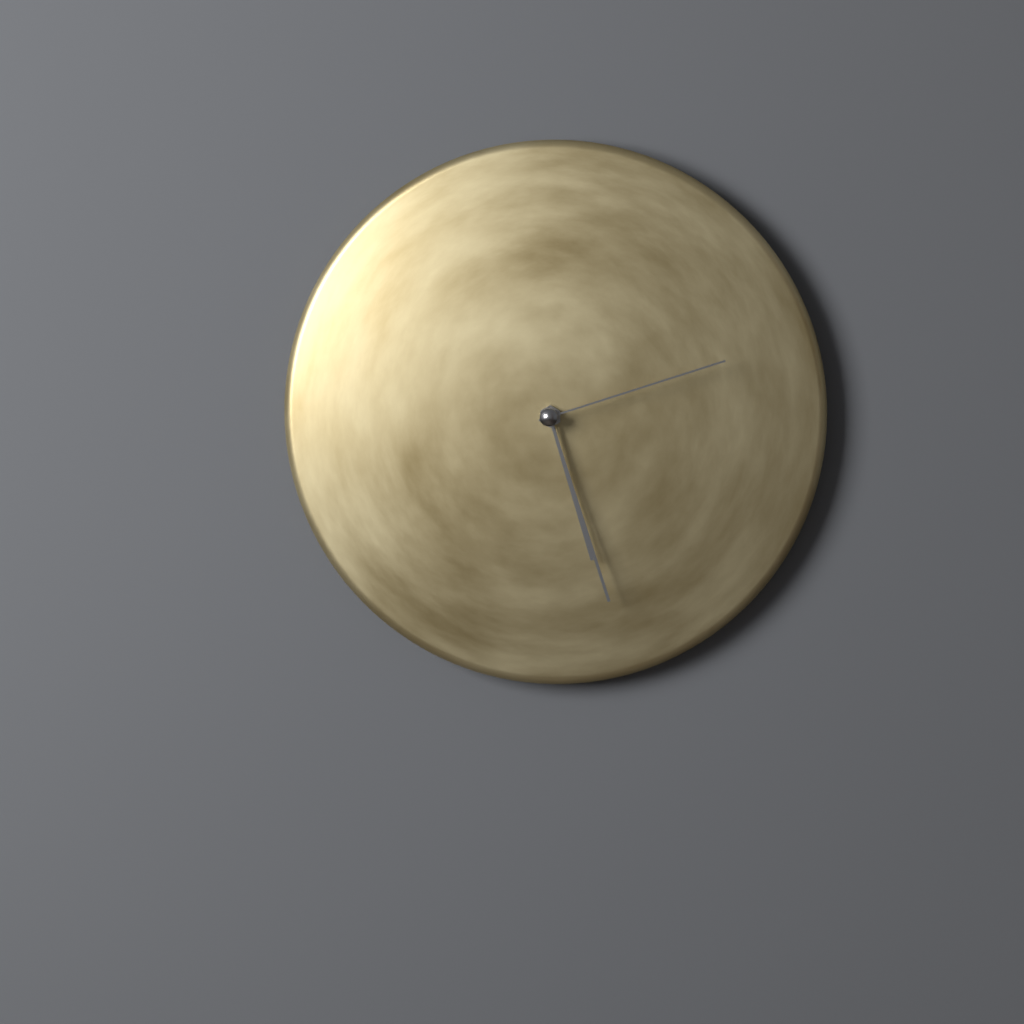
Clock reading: 5h27m12s
